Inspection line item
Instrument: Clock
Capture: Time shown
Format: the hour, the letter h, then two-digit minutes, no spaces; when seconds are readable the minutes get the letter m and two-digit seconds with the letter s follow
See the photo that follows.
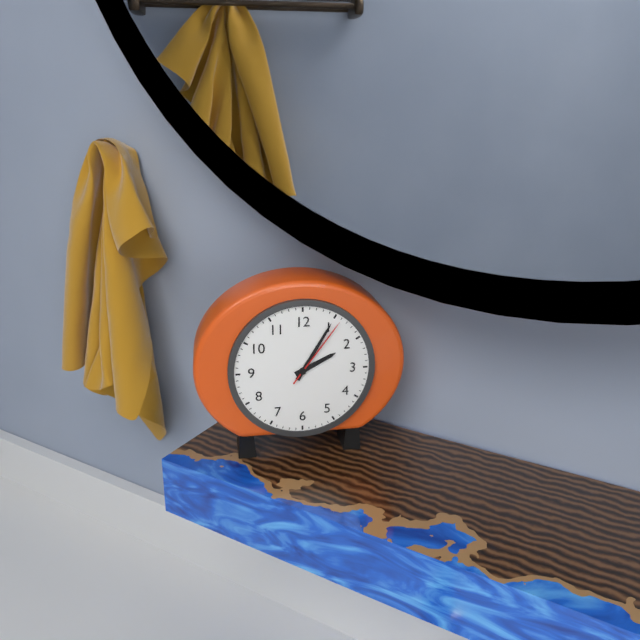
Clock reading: 2h05m06s
